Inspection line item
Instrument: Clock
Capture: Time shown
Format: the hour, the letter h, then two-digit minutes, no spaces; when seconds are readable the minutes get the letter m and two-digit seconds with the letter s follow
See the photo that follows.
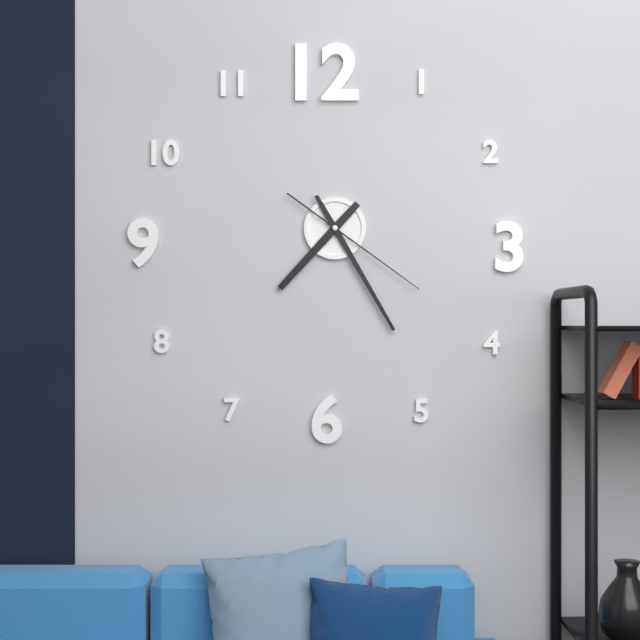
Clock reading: 7h25m21s
